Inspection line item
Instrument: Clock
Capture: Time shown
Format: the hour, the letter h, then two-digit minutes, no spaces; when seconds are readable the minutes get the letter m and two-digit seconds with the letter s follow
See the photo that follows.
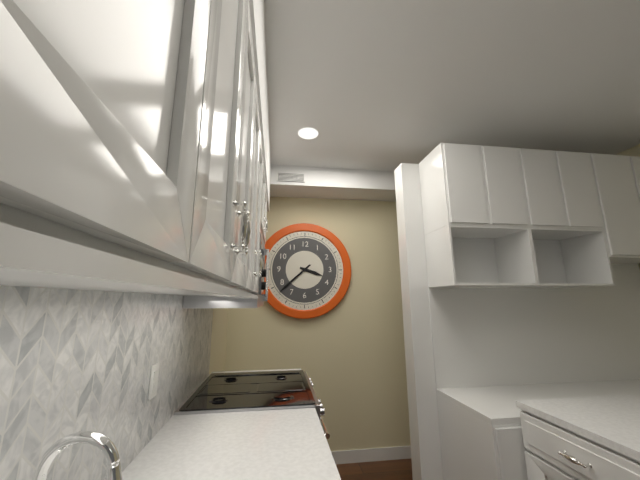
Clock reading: 3h38
